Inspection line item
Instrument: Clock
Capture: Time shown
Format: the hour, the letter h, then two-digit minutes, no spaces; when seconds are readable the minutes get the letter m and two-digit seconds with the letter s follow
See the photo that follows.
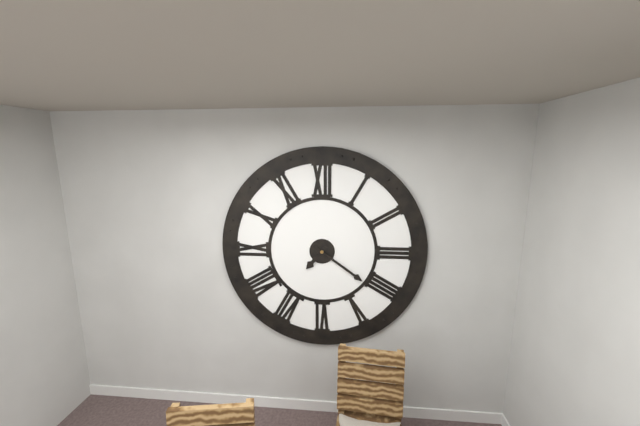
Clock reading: 7h21
